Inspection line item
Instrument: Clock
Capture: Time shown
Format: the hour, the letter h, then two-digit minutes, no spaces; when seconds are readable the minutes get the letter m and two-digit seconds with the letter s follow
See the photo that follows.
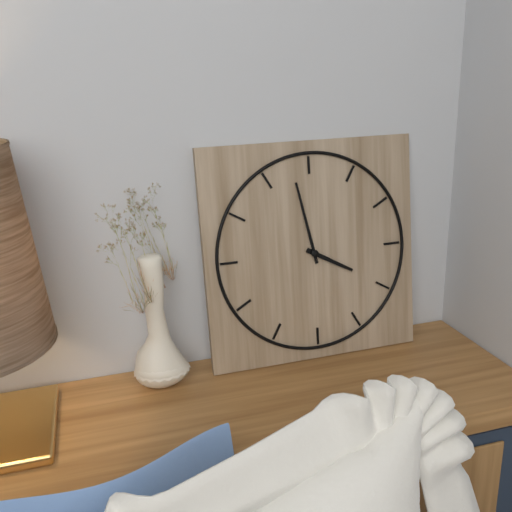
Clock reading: 3h58
